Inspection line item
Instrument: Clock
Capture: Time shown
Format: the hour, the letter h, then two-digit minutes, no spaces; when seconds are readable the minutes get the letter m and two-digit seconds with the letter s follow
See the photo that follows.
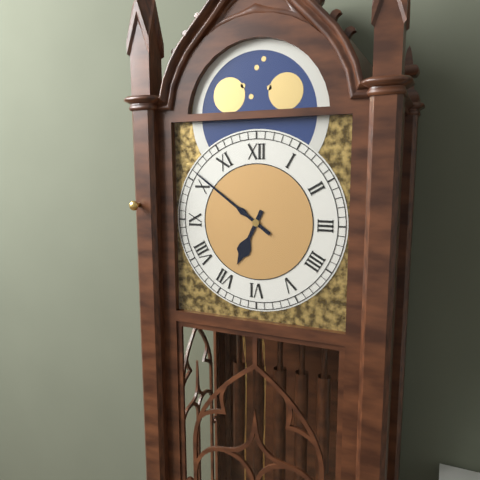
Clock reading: 6h51
